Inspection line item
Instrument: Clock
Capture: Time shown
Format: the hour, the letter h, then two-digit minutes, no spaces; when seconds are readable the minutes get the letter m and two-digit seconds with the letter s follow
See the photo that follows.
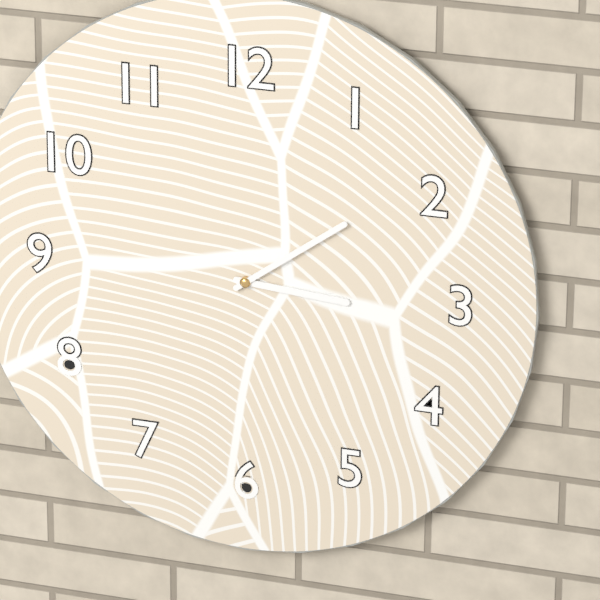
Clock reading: 3h09
